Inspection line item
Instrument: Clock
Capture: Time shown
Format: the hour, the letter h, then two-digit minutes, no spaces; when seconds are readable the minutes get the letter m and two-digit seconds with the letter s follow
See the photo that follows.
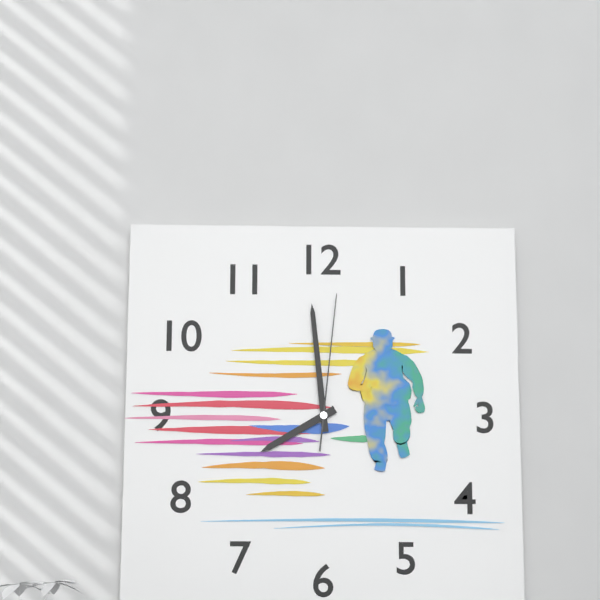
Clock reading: 7h59m01s
